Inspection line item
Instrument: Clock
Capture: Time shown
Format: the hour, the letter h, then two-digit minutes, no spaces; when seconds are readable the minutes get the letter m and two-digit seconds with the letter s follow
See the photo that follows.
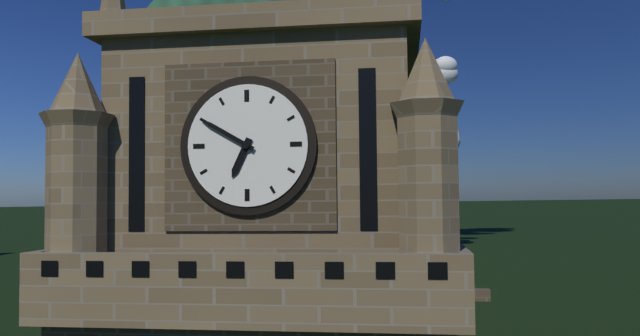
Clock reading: 6h50
